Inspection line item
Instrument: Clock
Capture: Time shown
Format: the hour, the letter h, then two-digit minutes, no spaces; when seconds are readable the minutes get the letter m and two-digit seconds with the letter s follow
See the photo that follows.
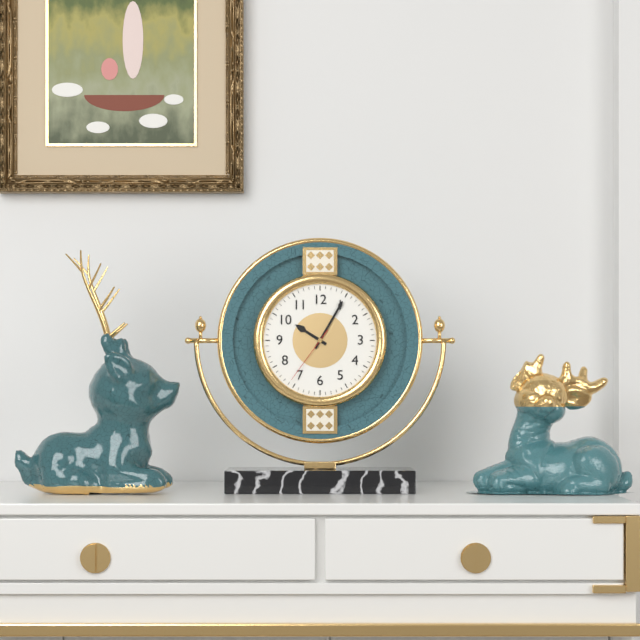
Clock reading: 10h05m36s
